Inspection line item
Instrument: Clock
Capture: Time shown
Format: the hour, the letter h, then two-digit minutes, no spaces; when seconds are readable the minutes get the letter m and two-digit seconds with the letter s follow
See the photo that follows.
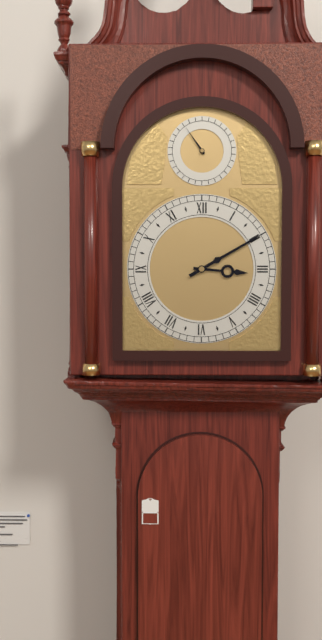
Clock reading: 3h10
